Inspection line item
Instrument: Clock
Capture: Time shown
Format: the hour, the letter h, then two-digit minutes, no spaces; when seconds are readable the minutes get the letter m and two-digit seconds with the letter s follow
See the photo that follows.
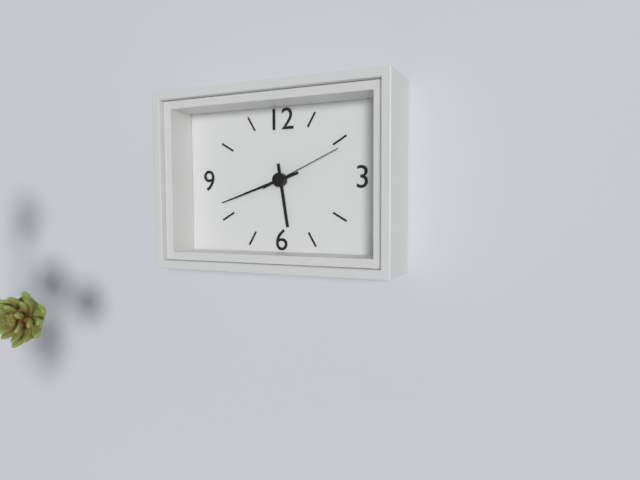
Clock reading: 5h42m11s
